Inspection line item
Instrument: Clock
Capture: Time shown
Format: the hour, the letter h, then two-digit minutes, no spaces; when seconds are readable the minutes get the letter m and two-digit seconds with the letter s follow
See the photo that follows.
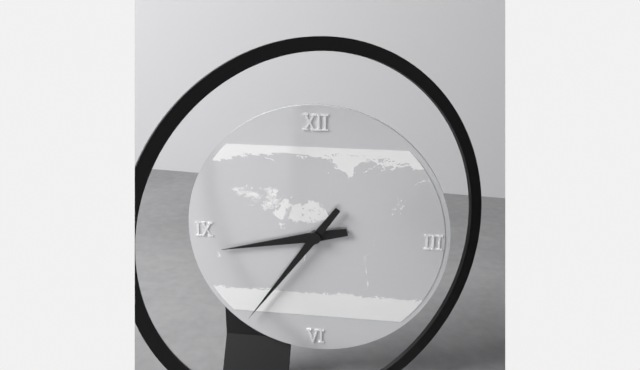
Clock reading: 8h36
